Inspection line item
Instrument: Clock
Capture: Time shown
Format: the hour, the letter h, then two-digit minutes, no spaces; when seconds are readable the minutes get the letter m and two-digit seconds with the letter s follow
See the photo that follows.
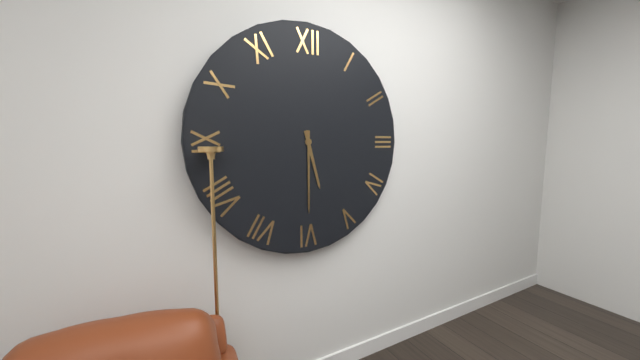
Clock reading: 5h30
